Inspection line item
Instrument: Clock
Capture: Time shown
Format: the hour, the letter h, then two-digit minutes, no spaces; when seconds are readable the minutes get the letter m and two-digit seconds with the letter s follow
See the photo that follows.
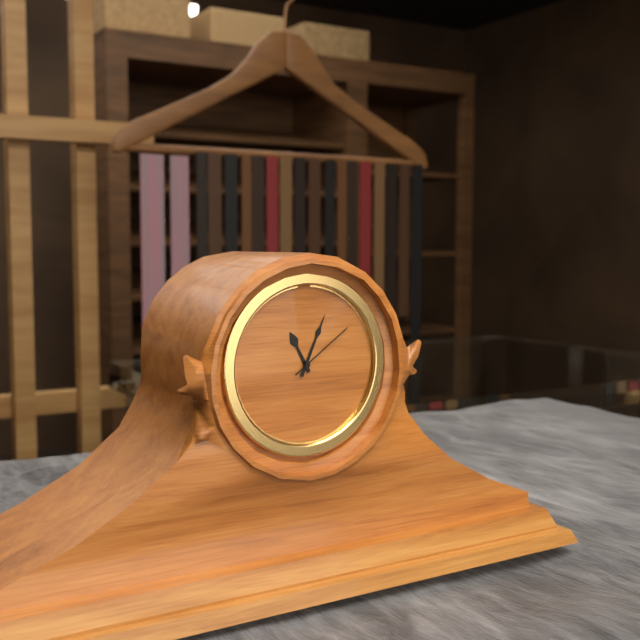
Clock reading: 11h04m09s
